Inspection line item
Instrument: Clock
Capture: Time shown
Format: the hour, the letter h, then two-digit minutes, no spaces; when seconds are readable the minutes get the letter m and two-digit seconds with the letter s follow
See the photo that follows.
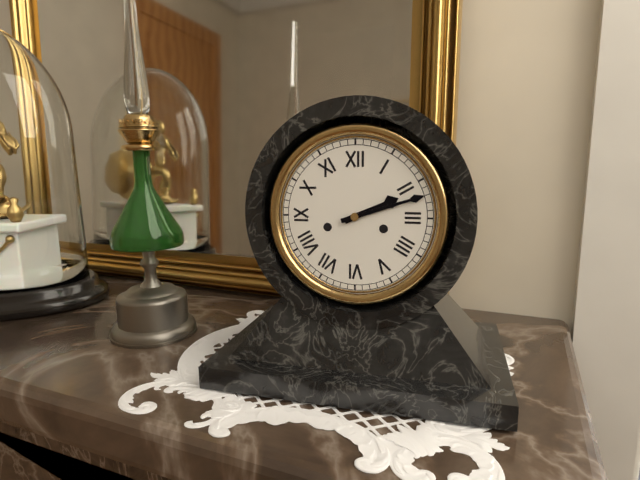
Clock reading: 2h12
